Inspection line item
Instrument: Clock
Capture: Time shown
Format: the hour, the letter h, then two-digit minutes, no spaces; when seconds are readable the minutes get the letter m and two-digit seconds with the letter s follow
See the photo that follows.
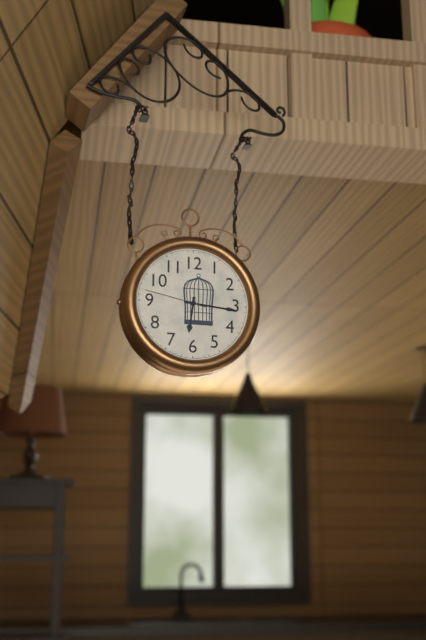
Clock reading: 6h16m47s
